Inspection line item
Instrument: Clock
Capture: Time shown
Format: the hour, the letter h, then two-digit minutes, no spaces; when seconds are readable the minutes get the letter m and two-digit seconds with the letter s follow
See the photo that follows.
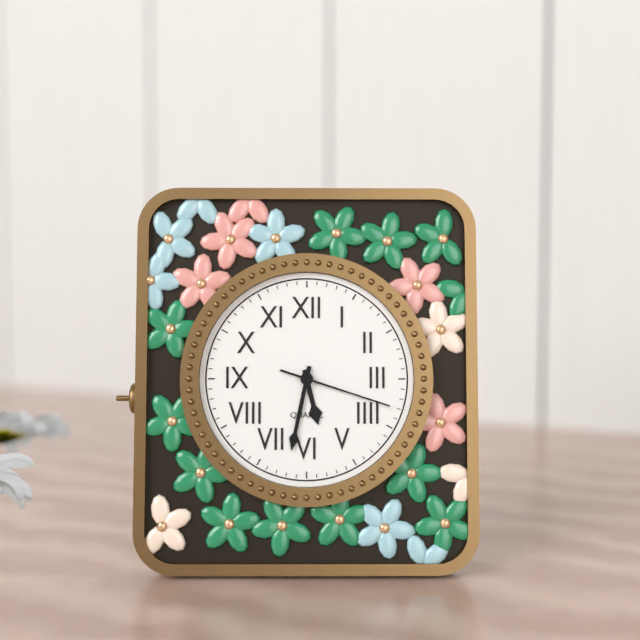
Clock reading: 5h32m18s
